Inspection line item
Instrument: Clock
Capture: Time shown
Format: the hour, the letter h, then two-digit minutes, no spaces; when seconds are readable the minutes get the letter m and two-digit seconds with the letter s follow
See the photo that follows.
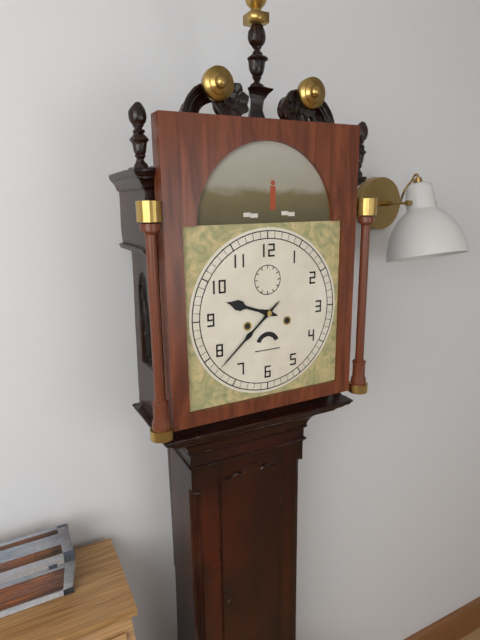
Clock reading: 9h38
